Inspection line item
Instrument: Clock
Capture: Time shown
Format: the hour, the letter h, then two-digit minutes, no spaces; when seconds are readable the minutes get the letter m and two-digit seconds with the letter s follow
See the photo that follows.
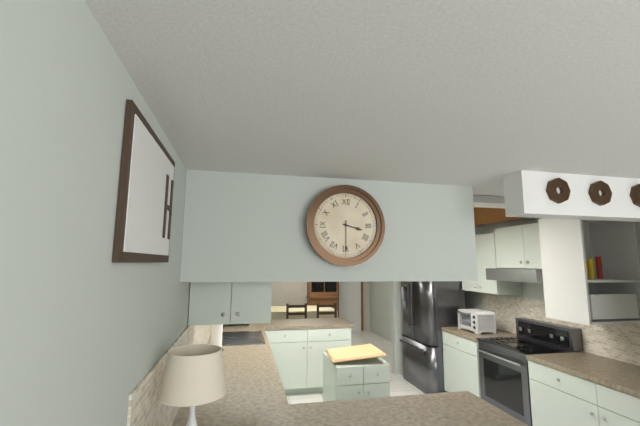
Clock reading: 3h30
